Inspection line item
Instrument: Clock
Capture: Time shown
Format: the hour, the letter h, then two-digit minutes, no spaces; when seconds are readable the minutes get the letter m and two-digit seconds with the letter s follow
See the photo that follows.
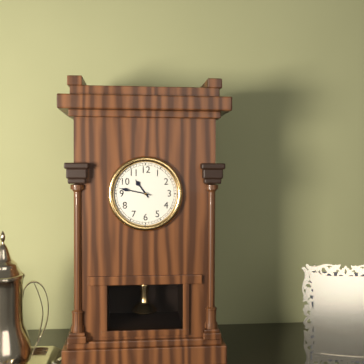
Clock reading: 10h47
